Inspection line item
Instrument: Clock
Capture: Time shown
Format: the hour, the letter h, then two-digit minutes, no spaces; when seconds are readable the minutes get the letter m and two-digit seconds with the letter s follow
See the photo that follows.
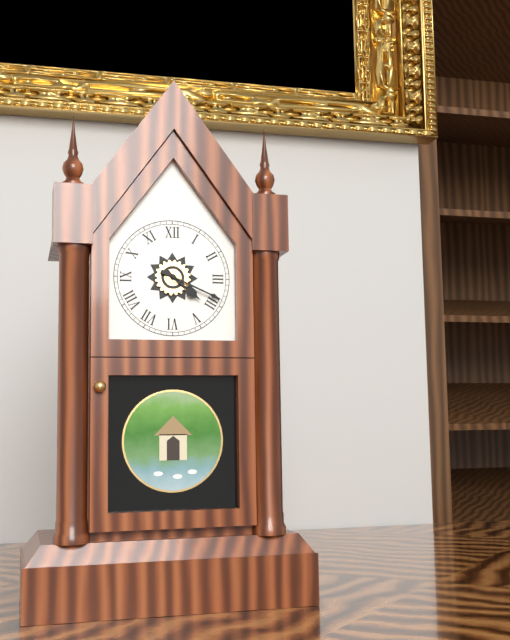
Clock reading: 4h19
